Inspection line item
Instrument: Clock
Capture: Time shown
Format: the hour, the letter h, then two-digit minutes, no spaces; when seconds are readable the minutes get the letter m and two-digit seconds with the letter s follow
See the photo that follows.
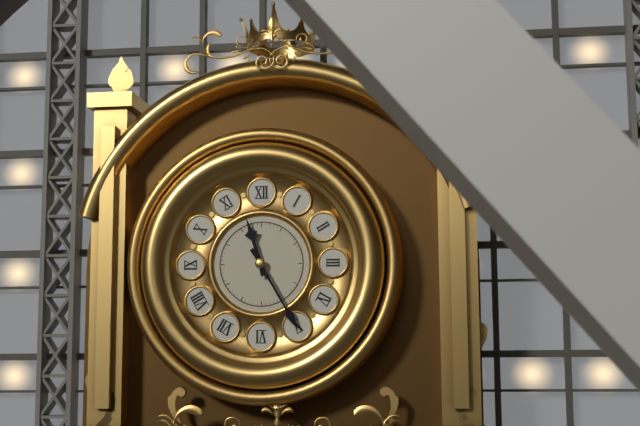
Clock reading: 11h25
